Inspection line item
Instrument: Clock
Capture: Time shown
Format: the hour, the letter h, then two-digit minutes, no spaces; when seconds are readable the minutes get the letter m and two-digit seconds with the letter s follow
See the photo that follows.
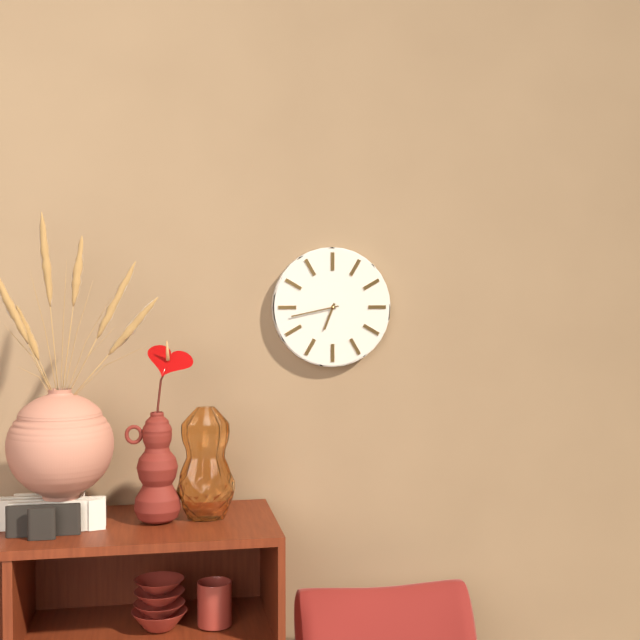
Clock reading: 6h43
